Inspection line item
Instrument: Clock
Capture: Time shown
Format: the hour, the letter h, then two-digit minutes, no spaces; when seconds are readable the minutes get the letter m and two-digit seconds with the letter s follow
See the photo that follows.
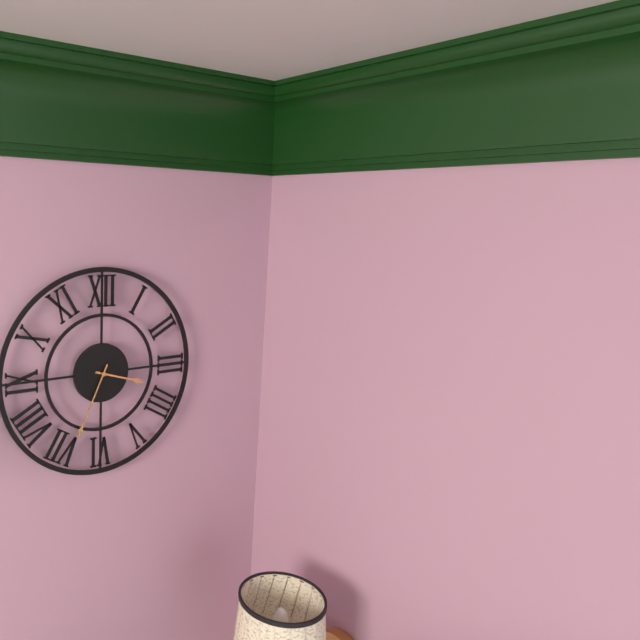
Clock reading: 3h34
